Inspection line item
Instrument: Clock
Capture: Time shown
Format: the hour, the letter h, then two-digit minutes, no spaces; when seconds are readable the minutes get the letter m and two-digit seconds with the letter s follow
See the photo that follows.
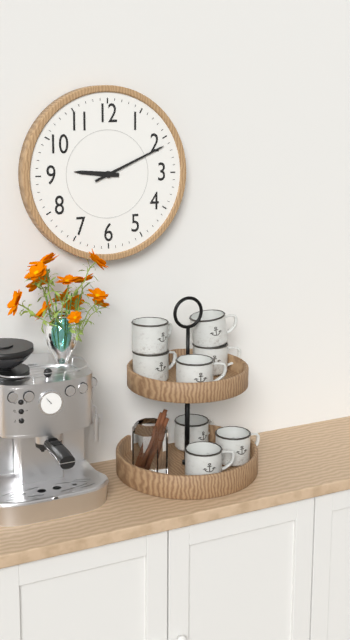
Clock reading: 9h11
